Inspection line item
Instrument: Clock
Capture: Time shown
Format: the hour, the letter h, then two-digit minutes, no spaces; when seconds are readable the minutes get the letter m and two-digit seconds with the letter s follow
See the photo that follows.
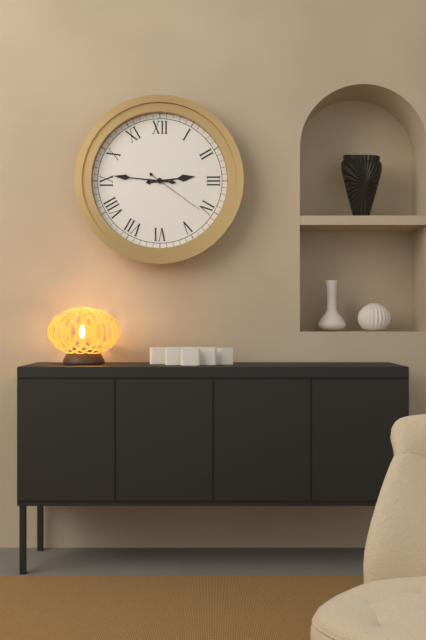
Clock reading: 2h46m21s
